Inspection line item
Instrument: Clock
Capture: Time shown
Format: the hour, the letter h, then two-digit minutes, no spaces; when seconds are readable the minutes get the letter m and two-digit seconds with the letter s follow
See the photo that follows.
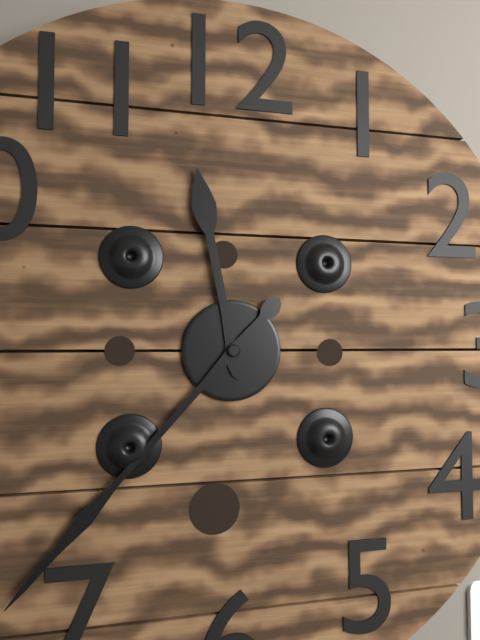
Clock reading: 11h37
